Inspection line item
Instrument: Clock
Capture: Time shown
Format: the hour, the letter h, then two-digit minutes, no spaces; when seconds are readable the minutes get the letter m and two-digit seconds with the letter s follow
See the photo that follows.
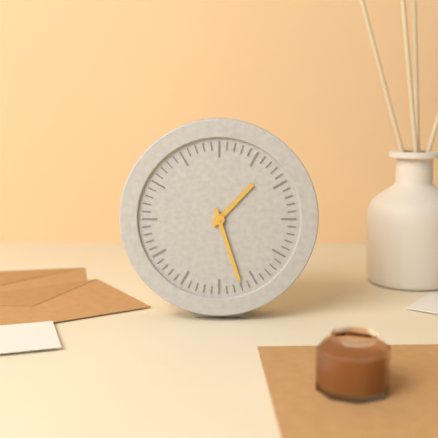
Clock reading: 1h27
